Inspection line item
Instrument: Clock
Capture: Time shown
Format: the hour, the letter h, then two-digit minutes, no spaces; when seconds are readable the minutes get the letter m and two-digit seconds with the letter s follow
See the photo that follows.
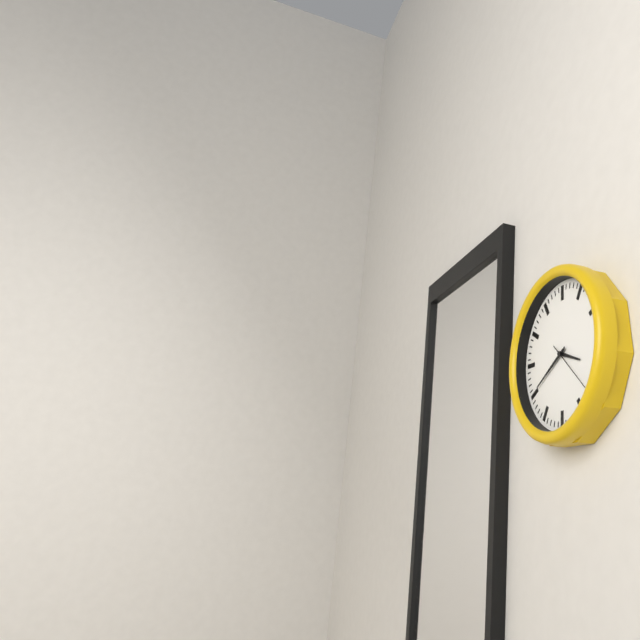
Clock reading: 3h40
